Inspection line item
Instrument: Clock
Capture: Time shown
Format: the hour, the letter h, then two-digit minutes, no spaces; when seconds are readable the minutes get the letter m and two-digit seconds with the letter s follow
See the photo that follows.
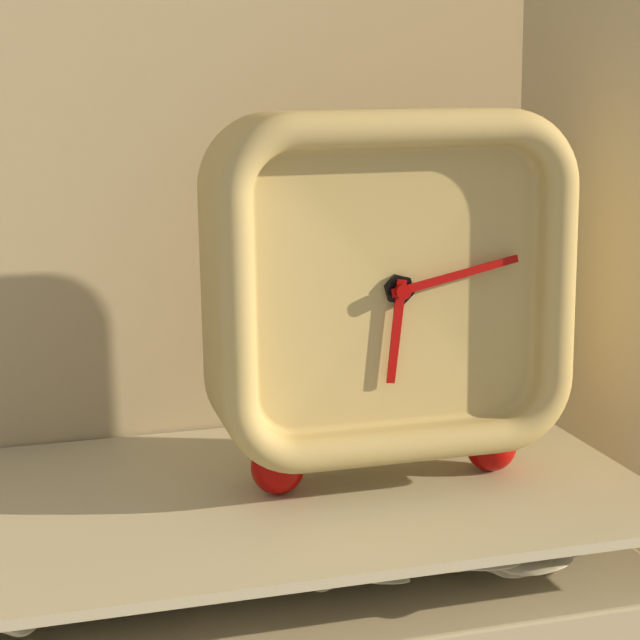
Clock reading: 6h13
